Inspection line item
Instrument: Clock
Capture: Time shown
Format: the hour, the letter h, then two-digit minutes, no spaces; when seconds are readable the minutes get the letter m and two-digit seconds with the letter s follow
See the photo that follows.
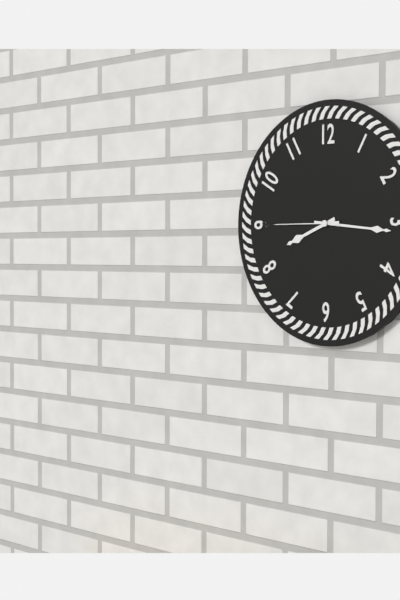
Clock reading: 8h16m45s
